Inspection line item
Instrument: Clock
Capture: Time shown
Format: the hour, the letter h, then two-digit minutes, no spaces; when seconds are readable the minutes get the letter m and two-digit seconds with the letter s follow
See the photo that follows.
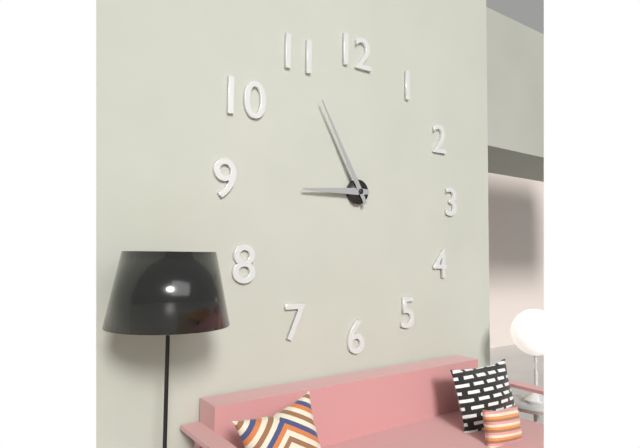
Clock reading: 8h55
